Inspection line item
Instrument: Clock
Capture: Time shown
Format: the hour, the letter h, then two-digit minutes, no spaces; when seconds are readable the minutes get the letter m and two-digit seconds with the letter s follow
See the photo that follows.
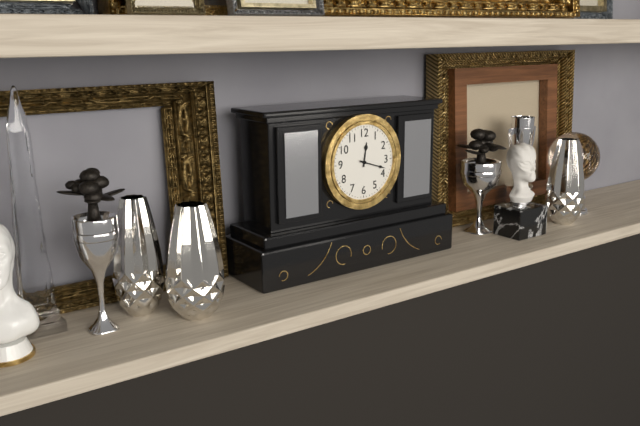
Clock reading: 12h18
